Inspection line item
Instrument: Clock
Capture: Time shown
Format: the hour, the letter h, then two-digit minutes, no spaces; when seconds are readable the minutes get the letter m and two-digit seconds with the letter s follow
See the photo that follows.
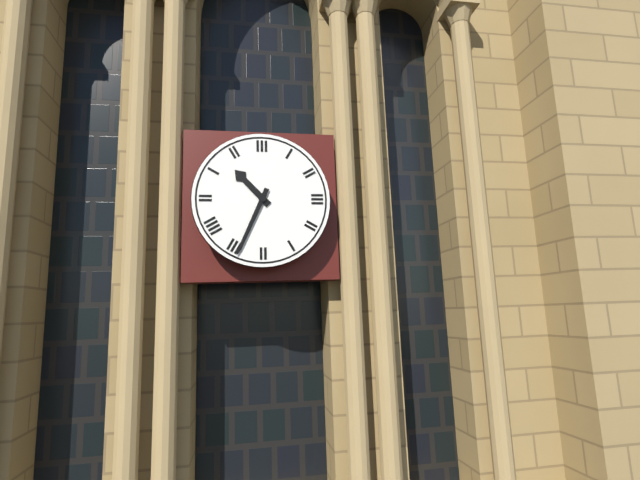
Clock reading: 10h34
